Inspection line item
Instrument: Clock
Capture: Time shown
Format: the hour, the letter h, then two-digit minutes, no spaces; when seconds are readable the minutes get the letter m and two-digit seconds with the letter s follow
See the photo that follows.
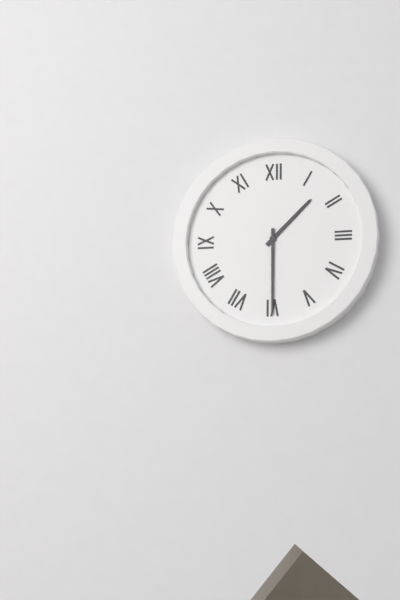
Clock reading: 1h30
